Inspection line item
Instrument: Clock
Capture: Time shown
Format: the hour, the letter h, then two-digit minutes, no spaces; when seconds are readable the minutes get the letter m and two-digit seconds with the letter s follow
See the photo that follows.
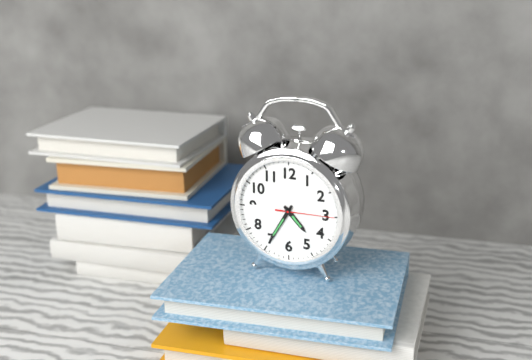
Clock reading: 4h35m15s
